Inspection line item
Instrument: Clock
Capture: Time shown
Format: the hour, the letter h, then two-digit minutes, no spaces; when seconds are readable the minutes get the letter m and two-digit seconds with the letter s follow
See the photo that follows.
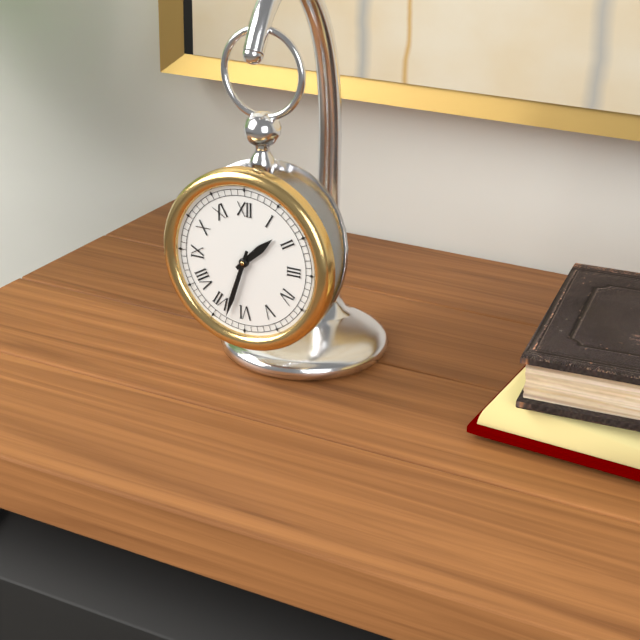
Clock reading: 1h33
